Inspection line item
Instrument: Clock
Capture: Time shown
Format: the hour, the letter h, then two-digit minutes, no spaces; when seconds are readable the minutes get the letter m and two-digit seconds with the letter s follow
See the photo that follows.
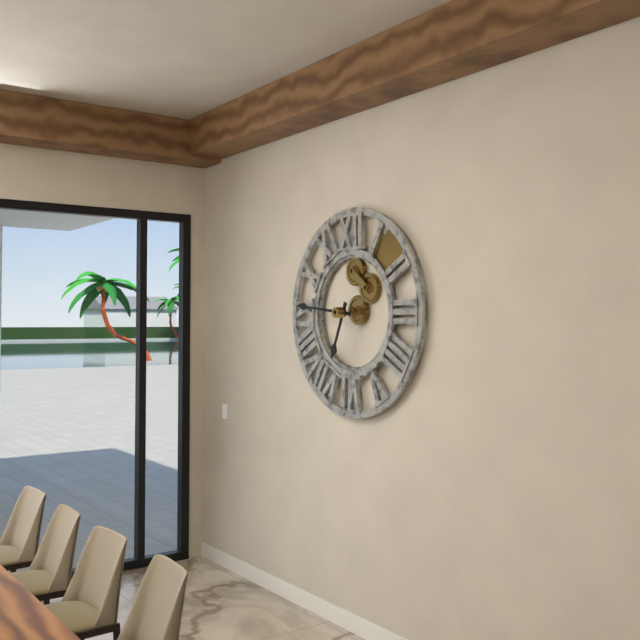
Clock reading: 6h46
